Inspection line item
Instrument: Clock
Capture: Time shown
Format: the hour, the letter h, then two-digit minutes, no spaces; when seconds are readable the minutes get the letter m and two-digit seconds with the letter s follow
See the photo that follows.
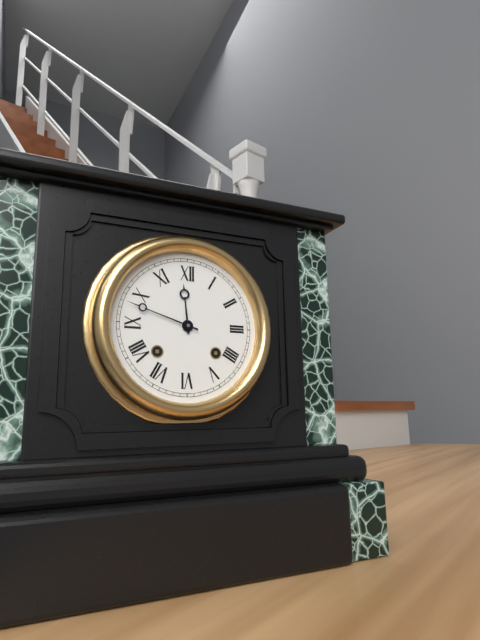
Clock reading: 11h48
